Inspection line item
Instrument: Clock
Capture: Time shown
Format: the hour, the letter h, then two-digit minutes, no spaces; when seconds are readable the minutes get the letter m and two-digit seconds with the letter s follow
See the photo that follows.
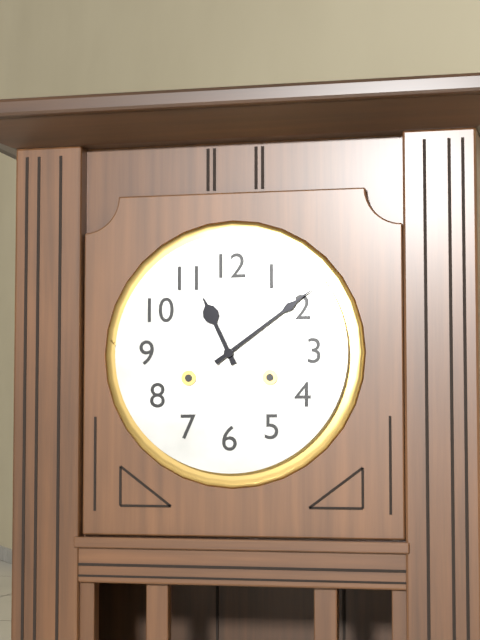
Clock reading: 11h09
